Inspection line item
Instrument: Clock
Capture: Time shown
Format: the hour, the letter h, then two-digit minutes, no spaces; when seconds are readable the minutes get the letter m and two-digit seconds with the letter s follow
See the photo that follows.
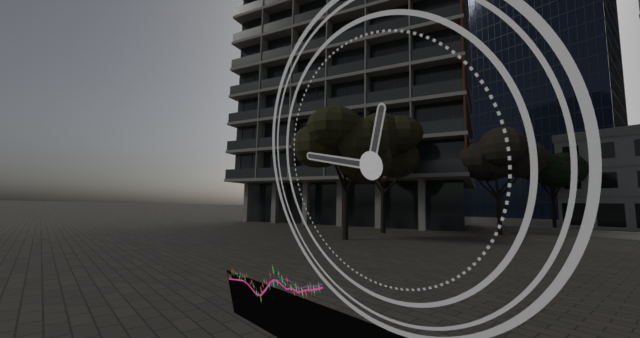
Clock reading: 12h47
